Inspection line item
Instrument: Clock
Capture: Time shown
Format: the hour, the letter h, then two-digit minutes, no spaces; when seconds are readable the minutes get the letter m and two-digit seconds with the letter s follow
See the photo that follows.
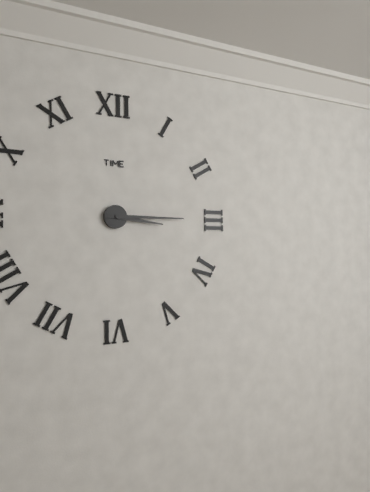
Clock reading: 3h15
